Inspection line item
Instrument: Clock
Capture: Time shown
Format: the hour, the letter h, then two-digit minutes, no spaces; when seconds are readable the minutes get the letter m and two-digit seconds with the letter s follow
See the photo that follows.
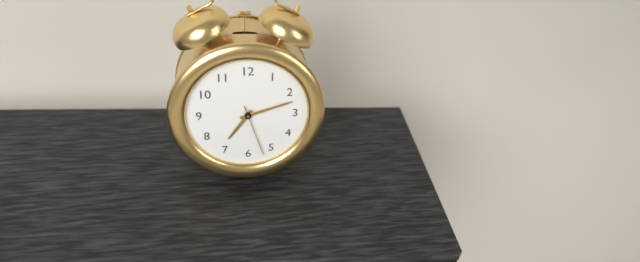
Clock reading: 7h12m27s
